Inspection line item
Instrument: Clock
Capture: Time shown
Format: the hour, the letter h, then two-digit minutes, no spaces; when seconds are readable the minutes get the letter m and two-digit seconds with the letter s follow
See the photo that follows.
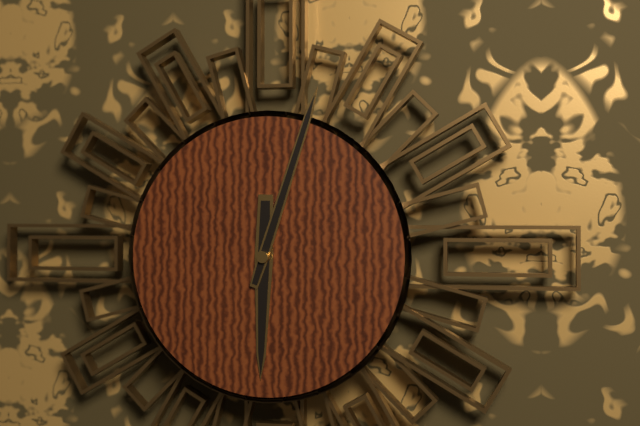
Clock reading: 6h03
